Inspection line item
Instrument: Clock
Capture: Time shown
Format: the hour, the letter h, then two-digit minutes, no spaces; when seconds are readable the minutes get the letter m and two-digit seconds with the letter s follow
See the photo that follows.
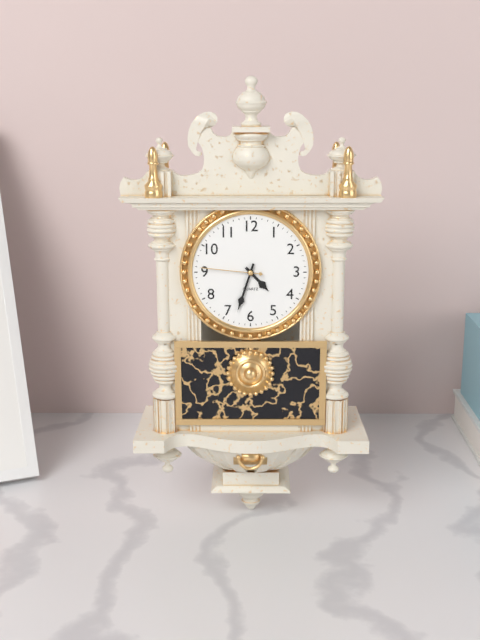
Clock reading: 4h33m46s
